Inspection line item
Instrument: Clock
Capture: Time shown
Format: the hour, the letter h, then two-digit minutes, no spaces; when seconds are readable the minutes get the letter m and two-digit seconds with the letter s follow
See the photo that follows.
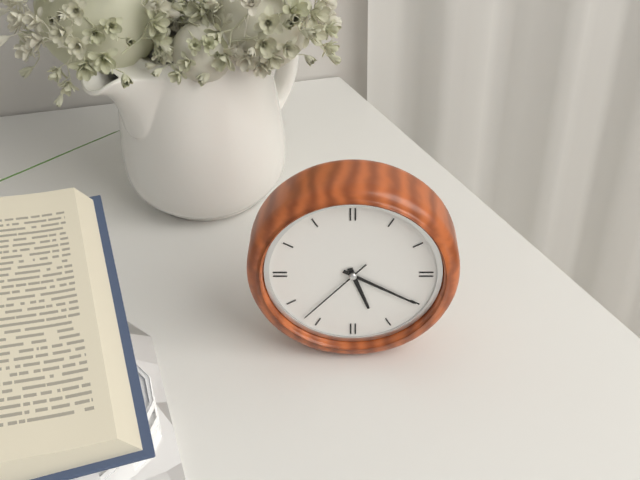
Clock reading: 5h20m37s
